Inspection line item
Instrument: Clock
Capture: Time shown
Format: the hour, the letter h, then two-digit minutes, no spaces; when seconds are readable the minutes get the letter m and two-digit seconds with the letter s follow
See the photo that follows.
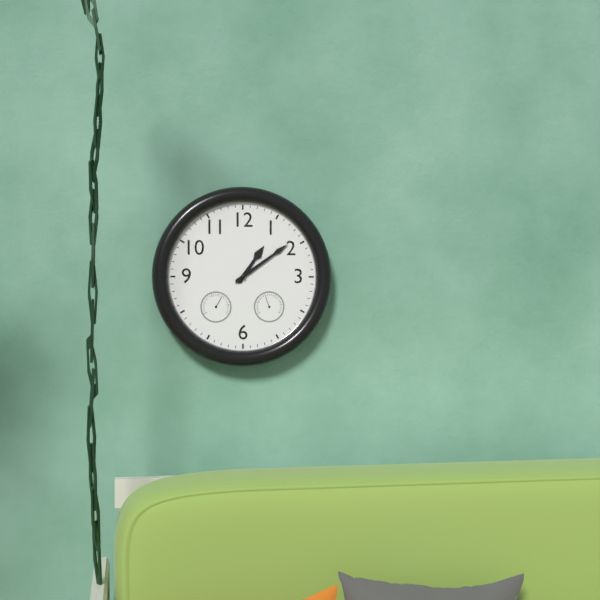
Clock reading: 1h09
